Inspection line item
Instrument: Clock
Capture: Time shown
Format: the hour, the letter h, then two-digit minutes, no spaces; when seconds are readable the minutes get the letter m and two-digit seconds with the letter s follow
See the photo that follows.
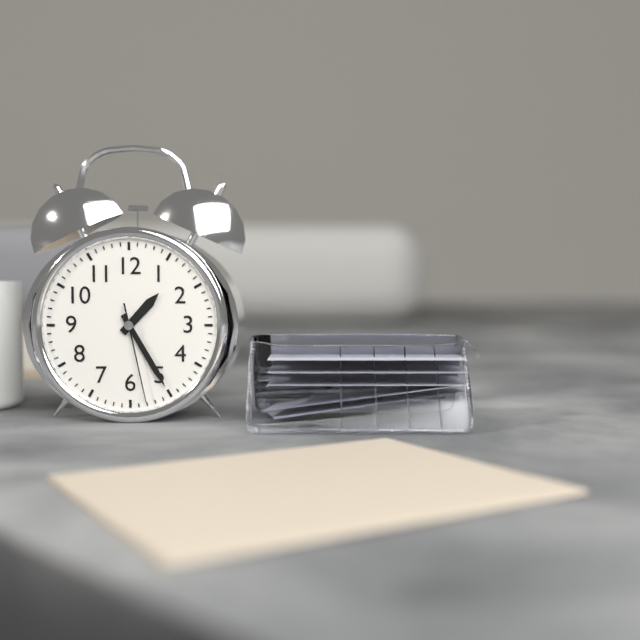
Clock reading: 1h25m28s
